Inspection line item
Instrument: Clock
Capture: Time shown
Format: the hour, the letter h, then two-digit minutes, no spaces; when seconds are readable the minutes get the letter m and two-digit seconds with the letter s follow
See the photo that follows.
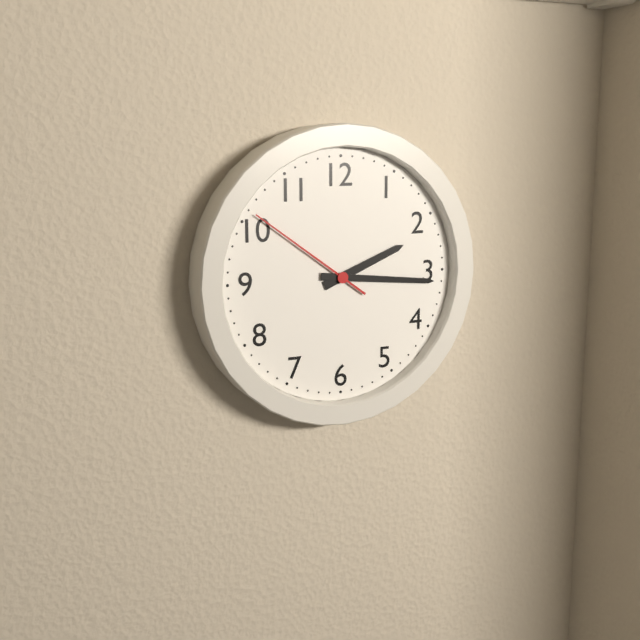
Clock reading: 2h16m51s
